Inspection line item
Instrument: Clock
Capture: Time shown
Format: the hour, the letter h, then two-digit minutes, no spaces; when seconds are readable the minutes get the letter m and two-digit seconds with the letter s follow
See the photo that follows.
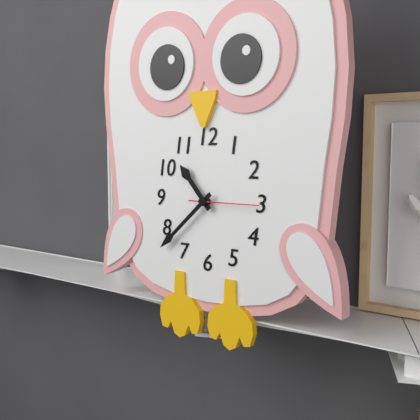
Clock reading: 10h38m15s
